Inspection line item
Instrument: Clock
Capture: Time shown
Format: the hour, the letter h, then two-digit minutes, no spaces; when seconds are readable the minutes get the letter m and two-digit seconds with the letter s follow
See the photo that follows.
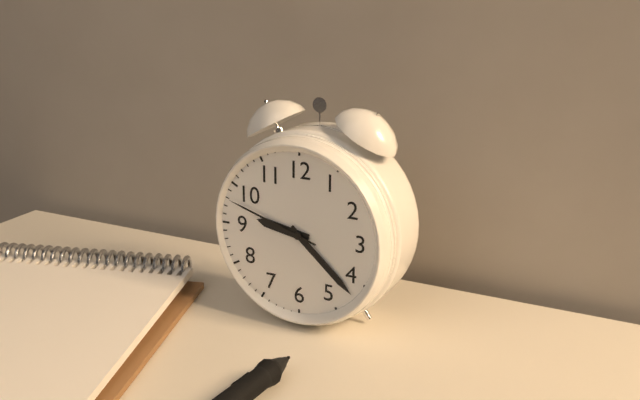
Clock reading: 9h22m48s
